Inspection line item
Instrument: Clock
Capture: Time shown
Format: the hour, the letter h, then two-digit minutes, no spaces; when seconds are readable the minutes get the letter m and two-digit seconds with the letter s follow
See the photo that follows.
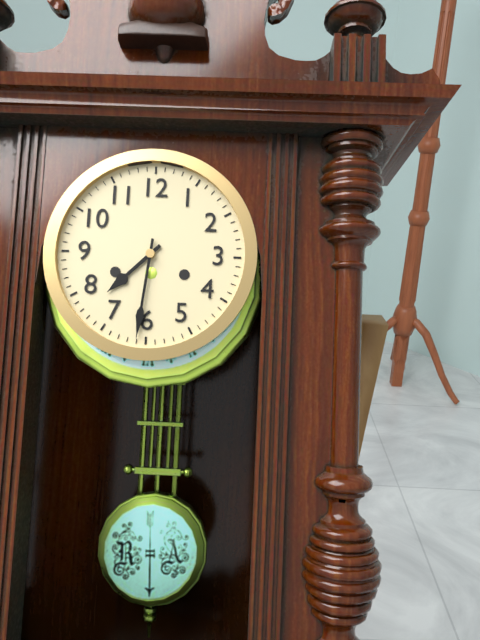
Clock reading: 7h31
